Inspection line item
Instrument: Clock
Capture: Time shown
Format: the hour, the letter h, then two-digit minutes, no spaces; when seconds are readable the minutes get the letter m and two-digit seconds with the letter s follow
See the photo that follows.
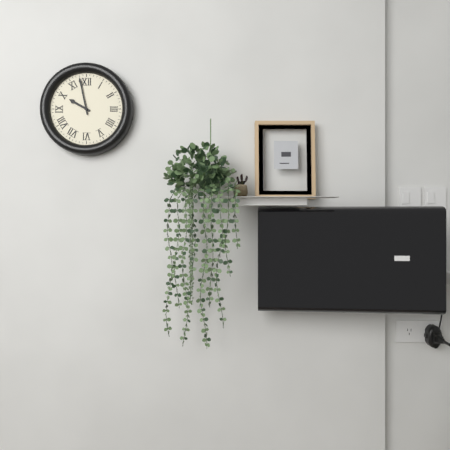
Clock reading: 9h58
